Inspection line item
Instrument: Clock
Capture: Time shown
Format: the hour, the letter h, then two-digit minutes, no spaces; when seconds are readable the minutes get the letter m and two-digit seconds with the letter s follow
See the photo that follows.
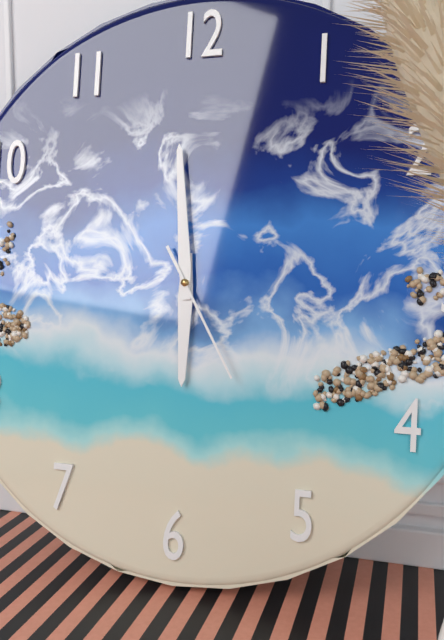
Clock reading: 5h59m25s
